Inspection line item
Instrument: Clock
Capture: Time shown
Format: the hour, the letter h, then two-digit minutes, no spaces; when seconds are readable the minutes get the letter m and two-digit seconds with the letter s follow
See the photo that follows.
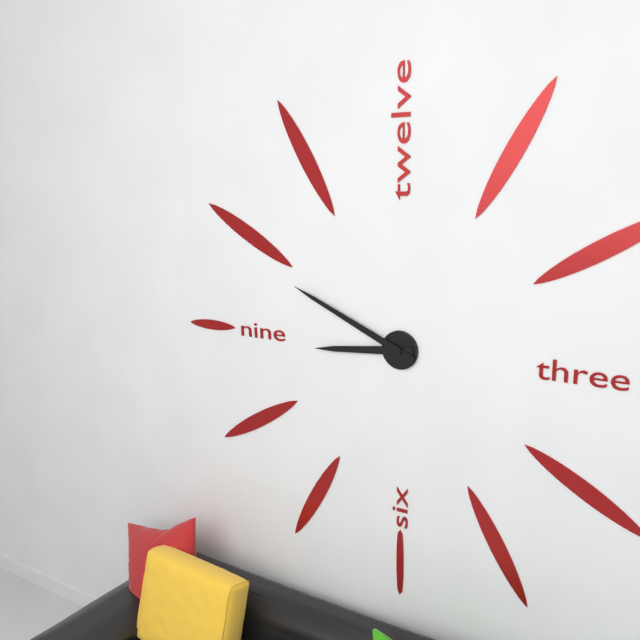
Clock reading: 8h49
